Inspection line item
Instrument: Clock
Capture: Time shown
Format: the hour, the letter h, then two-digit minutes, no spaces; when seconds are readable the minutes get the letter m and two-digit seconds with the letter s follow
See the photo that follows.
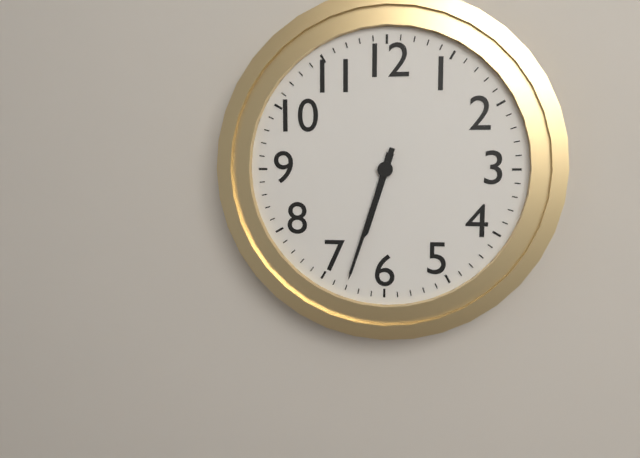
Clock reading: 6h33
